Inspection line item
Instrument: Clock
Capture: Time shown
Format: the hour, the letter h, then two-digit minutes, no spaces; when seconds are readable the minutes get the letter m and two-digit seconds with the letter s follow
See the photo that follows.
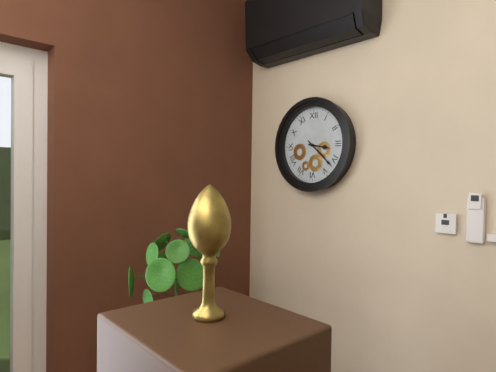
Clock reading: 3h22
